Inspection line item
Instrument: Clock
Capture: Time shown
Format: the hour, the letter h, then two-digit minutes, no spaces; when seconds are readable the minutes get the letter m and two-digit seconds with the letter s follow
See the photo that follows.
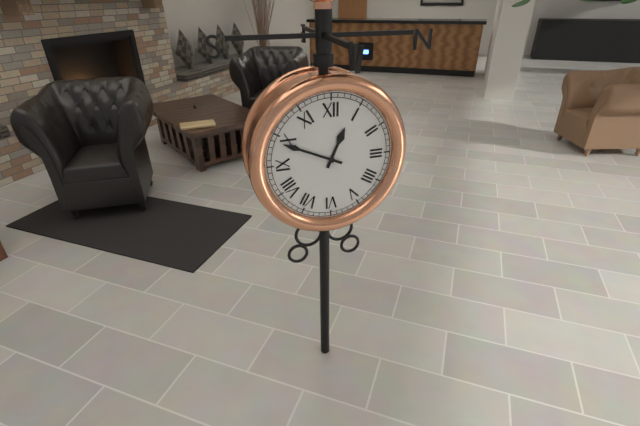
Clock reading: 12h49
